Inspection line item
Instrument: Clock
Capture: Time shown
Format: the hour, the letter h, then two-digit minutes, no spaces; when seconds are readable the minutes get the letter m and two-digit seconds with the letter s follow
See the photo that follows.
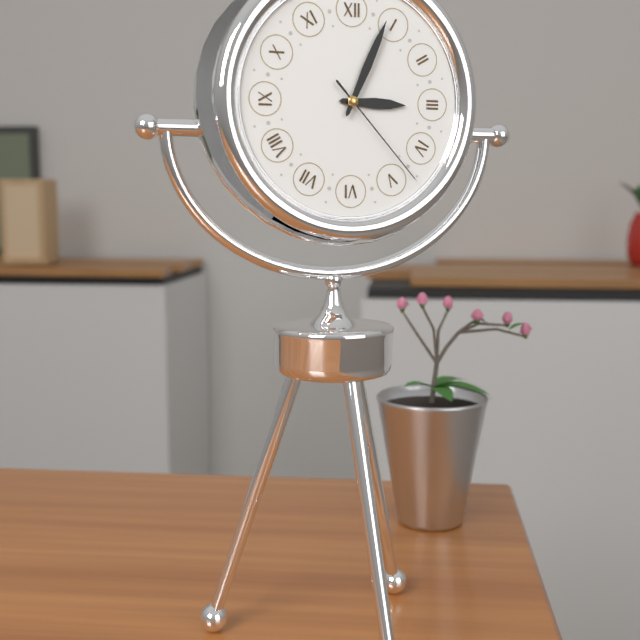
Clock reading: 3h04m23s
